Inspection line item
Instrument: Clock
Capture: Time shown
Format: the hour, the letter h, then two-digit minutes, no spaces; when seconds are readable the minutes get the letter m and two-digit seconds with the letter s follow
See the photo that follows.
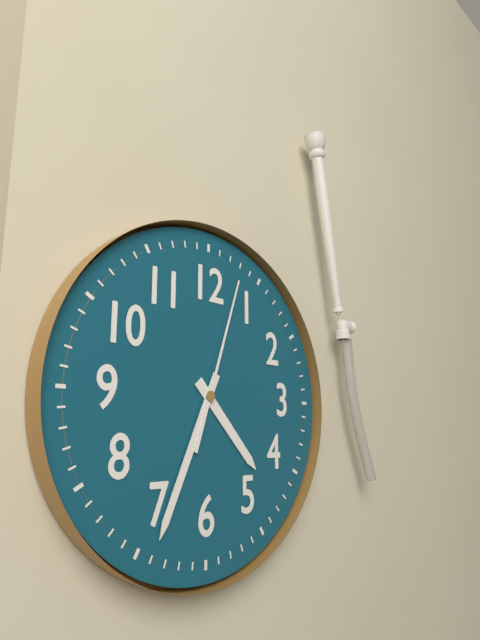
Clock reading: 4h34m03s
